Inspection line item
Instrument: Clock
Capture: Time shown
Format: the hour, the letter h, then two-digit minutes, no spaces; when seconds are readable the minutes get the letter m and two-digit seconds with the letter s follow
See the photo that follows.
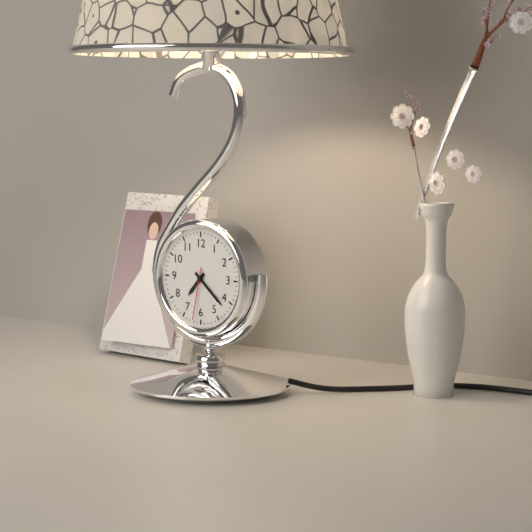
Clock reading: 7h22m32s
